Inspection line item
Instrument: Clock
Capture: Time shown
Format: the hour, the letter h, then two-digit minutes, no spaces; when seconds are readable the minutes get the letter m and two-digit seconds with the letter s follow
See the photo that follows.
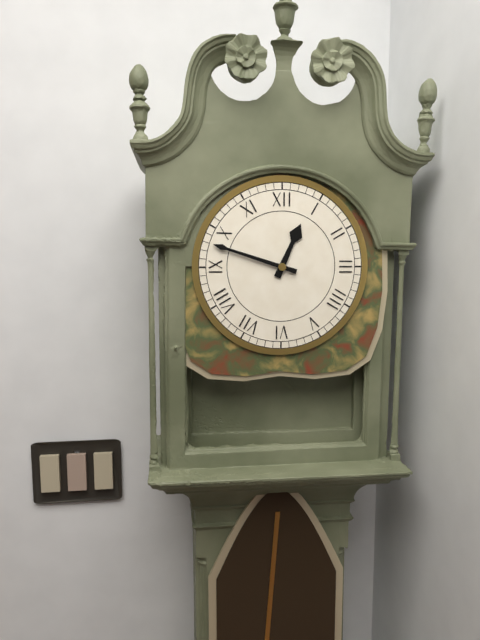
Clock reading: 12h48
